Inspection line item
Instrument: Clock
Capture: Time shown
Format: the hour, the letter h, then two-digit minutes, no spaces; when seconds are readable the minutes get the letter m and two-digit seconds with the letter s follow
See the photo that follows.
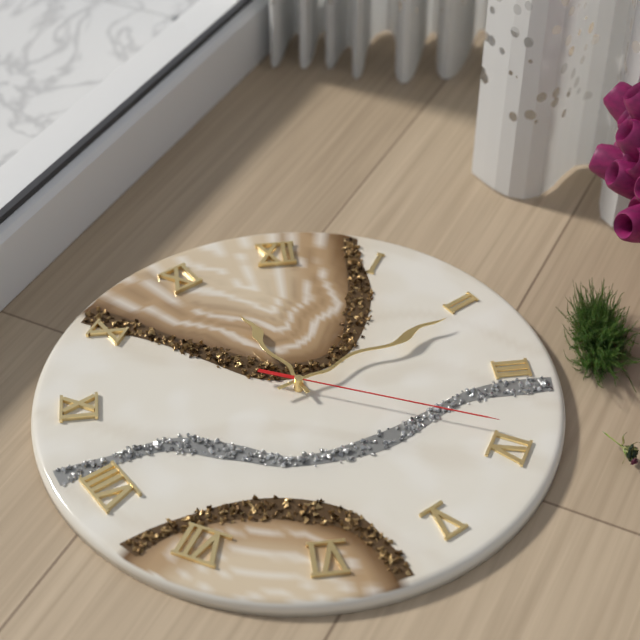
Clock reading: 11h11m19s
